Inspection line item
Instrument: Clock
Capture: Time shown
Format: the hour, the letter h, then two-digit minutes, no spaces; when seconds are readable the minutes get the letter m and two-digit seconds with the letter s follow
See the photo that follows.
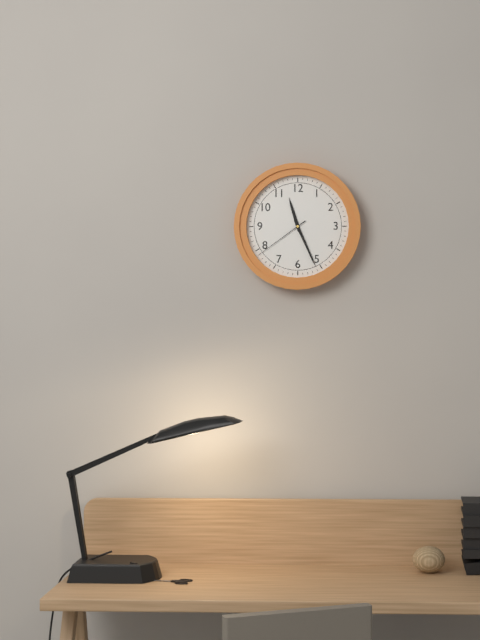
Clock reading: 11h26m39s
